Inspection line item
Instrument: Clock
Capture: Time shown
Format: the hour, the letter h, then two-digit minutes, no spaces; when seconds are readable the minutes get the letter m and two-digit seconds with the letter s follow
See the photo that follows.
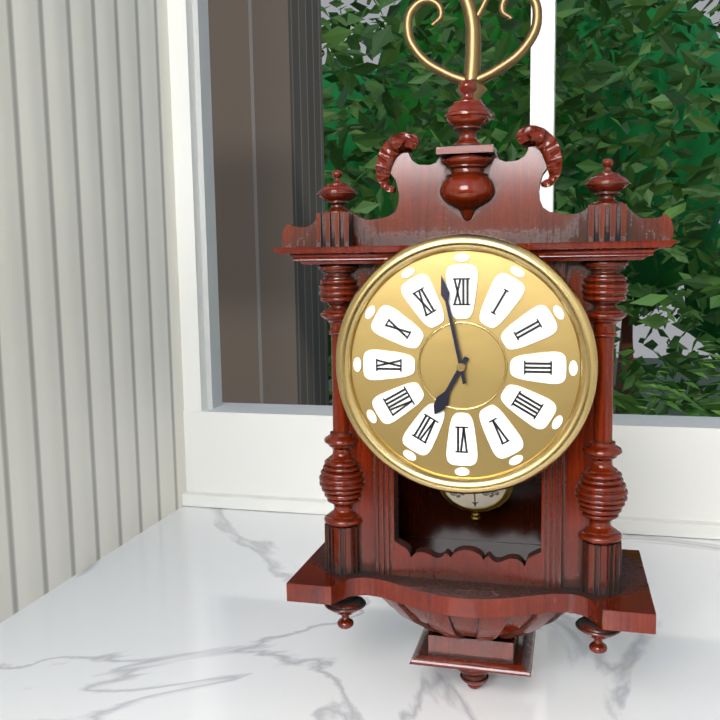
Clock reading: 6h58
